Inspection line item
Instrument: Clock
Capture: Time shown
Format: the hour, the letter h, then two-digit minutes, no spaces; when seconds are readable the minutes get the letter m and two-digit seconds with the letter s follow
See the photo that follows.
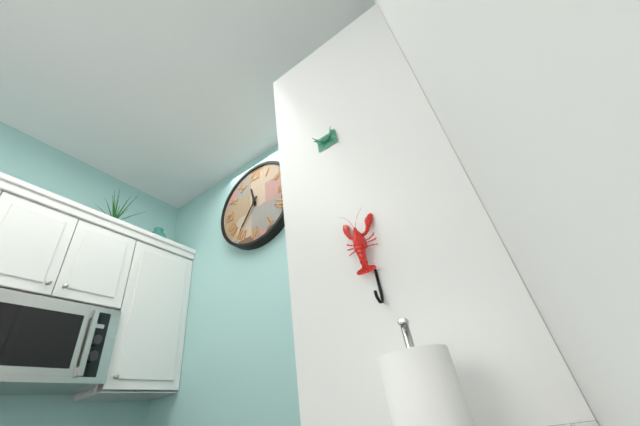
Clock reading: 11h36
